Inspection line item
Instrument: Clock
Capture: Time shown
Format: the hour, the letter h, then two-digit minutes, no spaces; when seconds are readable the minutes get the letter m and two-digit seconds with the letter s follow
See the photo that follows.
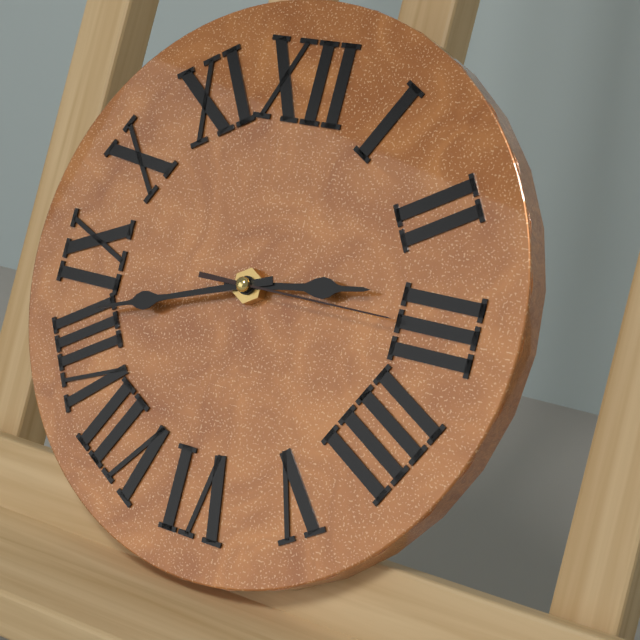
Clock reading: 2h42m15s
